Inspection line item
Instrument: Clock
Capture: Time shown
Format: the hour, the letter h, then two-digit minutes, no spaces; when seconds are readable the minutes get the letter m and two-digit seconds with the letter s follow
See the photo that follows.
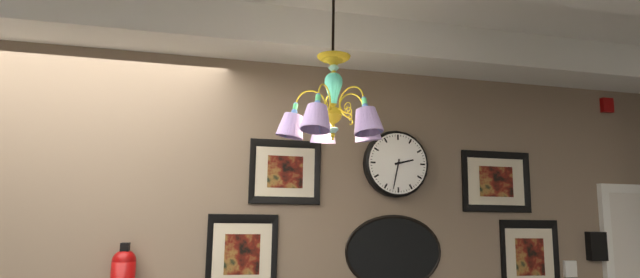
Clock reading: 2h32
